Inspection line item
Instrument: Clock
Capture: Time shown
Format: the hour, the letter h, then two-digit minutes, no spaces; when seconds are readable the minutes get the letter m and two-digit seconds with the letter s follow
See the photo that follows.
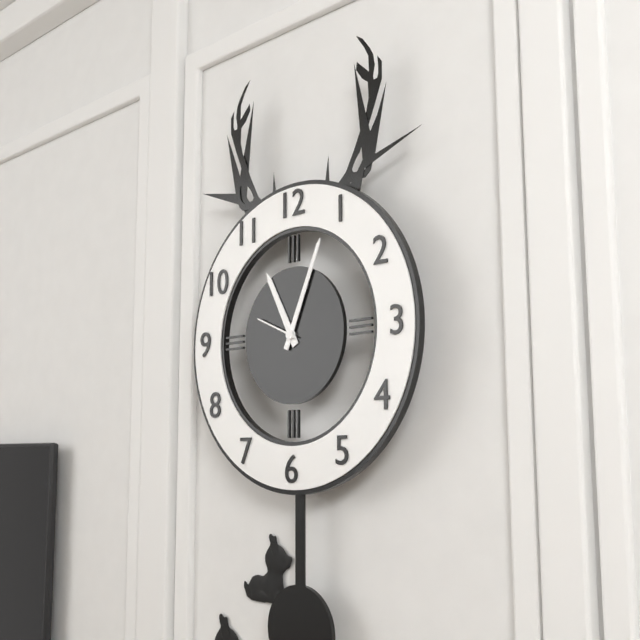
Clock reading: 11h04m49s
